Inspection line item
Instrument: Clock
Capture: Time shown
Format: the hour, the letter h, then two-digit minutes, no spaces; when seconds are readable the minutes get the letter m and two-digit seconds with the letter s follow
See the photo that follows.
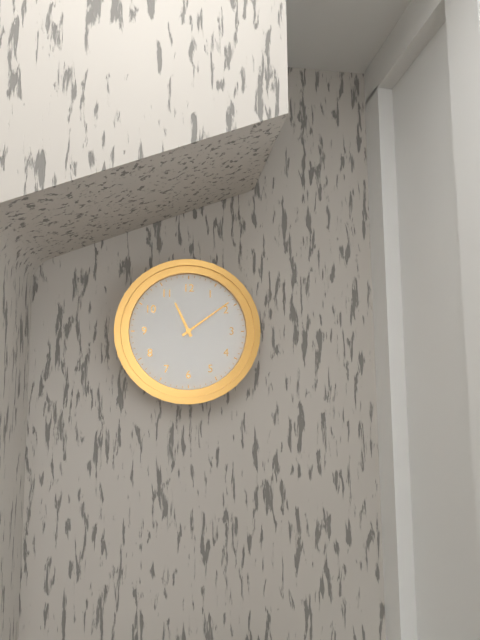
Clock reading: 11h09
